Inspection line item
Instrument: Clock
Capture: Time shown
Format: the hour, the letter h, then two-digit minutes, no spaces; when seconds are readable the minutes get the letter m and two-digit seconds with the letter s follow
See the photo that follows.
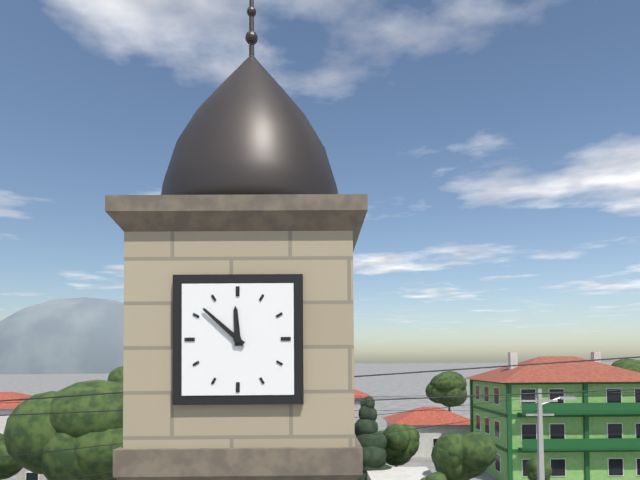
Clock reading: 11h52
